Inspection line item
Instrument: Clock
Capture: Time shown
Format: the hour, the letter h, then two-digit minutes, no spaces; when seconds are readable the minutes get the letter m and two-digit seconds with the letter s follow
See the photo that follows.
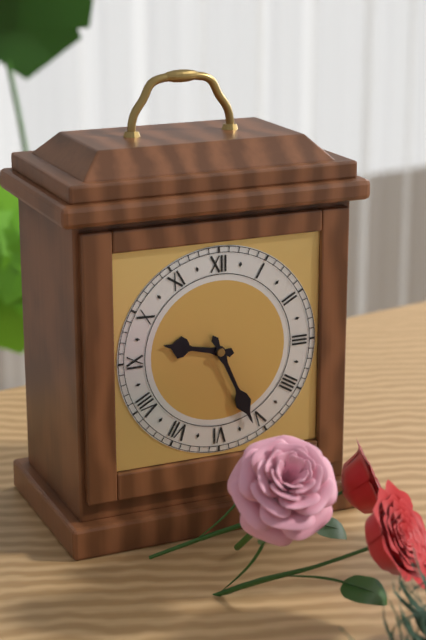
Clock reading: 9h26
